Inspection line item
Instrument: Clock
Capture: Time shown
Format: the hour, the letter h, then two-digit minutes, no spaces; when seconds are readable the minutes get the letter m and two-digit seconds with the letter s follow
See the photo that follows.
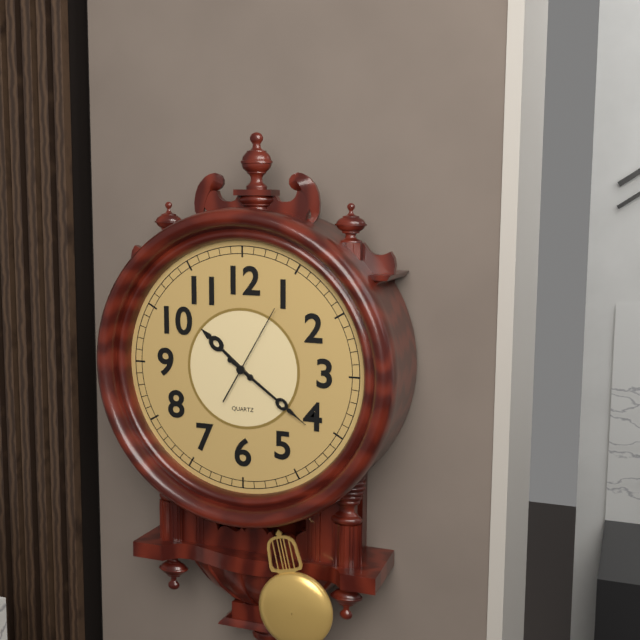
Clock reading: 10h21m05s
